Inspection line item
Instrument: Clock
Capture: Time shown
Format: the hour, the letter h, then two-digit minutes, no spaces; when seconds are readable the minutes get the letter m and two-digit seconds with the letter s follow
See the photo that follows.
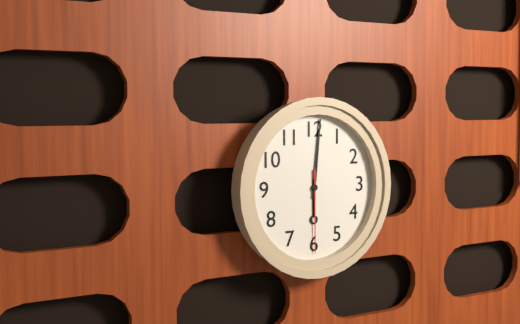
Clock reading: 6h01m30s
